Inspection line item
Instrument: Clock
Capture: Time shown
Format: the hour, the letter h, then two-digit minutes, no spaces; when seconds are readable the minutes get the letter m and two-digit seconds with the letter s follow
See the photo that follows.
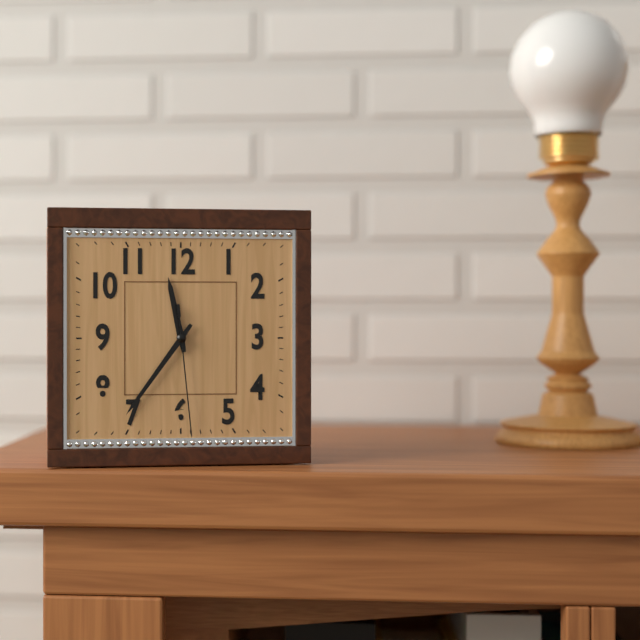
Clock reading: 11h36m29s
